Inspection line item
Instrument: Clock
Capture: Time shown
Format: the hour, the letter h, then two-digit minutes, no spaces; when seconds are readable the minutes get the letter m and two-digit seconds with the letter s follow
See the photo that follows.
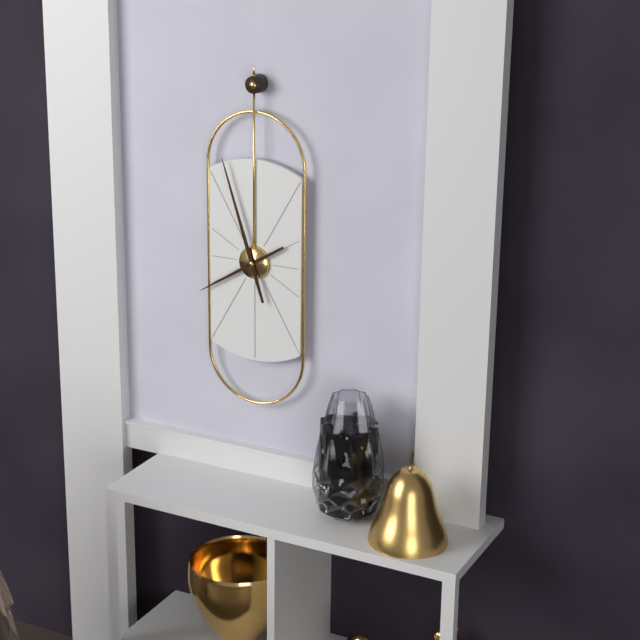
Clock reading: 7h57
